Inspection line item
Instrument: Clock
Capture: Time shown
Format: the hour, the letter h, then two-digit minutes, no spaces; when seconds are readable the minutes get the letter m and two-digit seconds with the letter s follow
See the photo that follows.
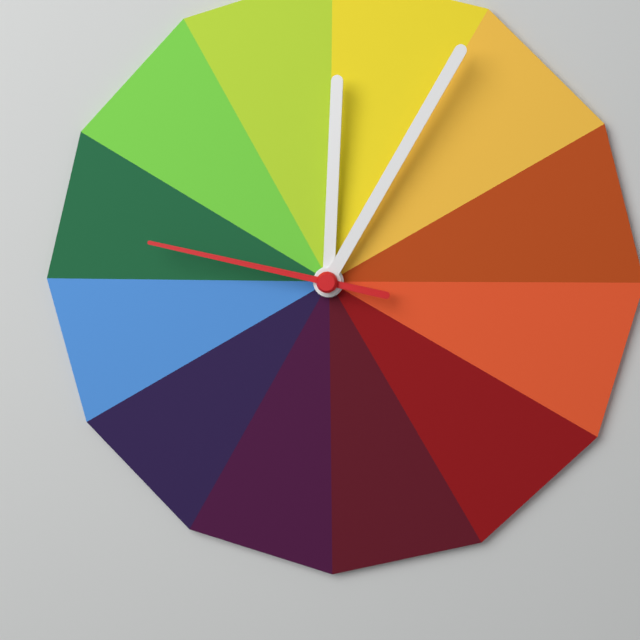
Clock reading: 12h05m47s
